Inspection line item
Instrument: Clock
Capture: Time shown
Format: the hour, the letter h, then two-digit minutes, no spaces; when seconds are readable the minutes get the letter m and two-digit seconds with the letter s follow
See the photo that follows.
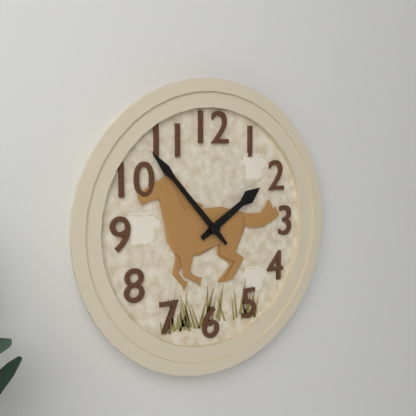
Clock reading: 1h53
